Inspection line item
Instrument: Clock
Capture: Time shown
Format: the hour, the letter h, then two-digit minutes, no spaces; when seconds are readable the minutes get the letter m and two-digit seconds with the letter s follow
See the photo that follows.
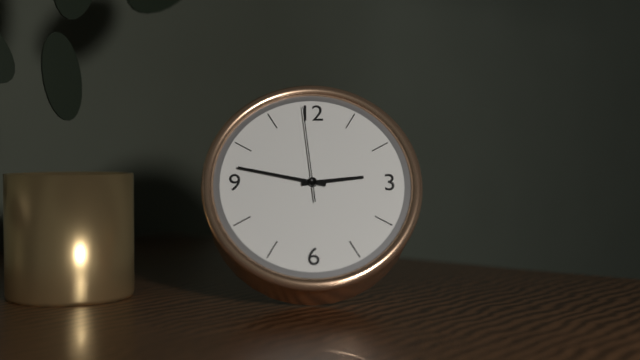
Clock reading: 2h47m59s
